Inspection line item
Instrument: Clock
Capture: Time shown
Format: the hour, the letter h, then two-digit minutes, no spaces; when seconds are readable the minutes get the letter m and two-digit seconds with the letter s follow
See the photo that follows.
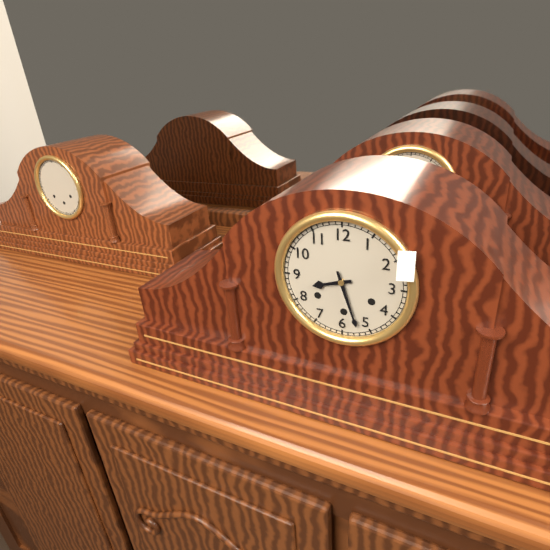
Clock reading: 8h27
